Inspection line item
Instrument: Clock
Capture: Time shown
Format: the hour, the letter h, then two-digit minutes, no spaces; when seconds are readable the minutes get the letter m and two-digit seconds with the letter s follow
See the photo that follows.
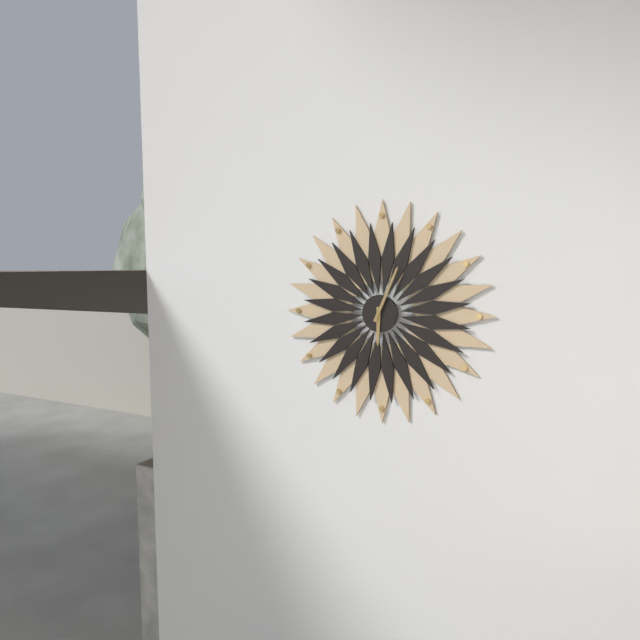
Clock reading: 6h04
